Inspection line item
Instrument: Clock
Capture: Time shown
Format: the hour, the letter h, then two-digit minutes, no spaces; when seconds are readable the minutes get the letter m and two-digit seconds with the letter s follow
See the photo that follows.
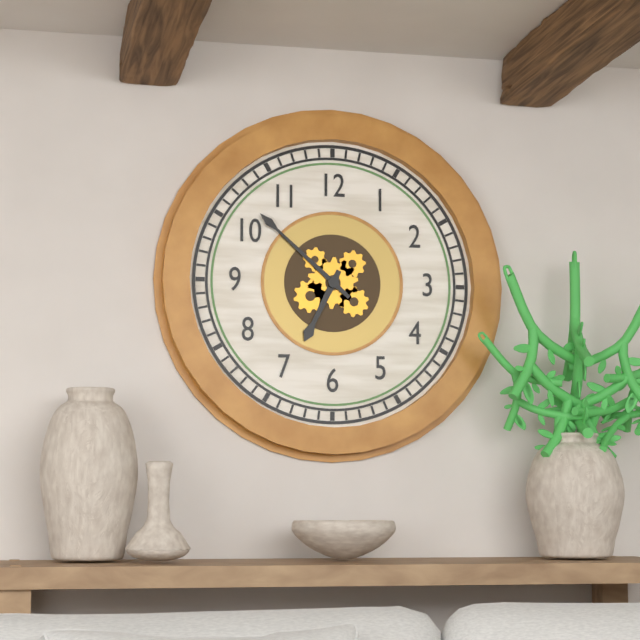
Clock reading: 6h52
